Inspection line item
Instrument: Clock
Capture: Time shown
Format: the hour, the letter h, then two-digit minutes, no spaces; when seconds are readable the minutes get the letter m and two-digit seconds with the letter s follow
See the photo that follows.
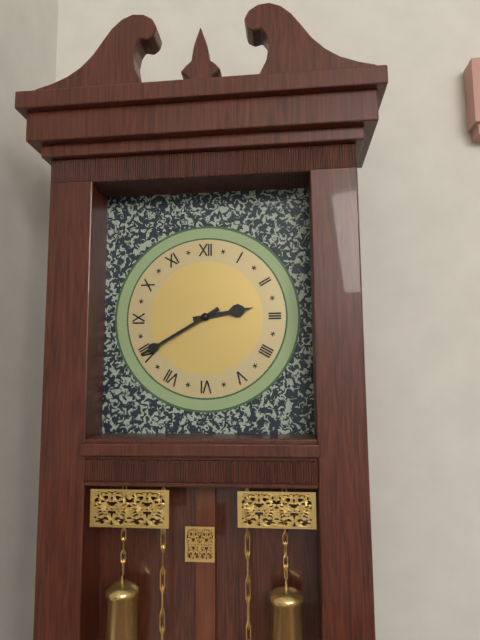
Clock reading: 2h40
